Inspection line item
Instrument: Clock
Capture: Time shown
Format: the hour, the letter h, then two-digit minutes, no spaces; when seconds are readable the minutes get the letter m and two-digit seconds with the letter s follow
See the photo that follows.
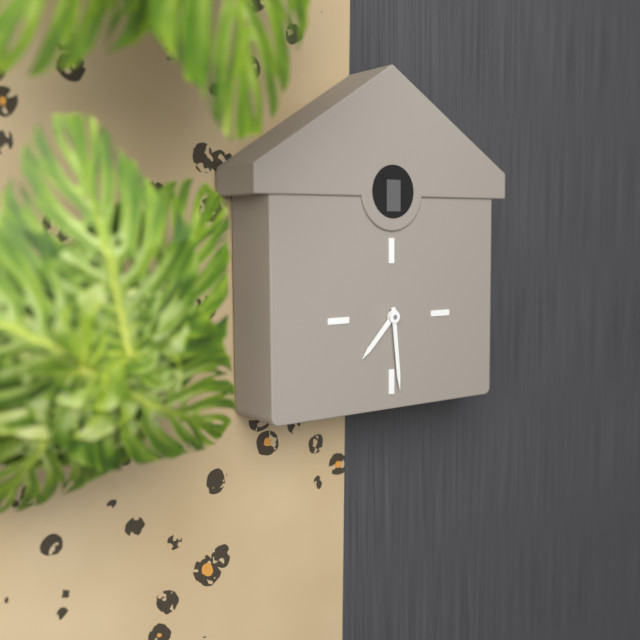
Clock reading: 7h29
